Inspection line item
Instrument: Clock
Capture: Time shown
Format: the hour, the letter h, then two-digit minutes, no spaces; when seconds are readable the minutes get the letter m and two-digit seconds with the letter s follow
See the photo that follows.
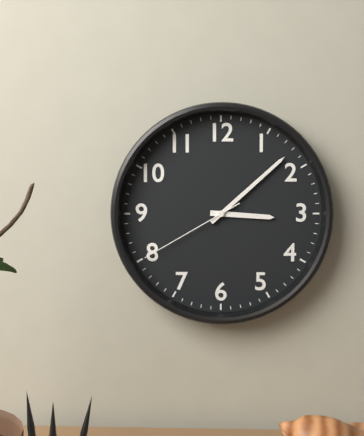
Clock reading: 3h08m40s
